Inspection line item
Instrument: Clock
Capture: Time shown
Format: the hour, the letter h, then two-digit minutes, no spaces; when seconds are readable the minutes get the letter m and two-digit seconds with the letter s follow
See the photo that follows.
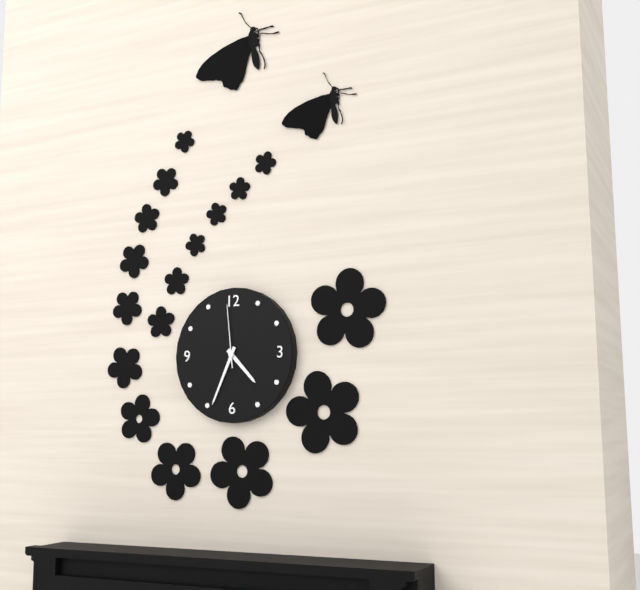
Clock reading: 4h34m59s
